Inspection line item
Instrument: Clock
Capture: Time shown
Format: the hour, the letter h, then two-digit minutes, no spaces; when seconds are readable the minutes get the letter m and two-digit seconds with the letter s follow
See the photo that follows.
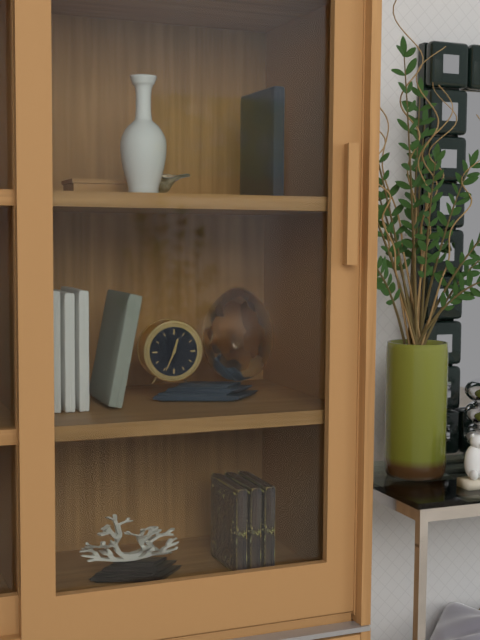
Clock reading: 12h34
